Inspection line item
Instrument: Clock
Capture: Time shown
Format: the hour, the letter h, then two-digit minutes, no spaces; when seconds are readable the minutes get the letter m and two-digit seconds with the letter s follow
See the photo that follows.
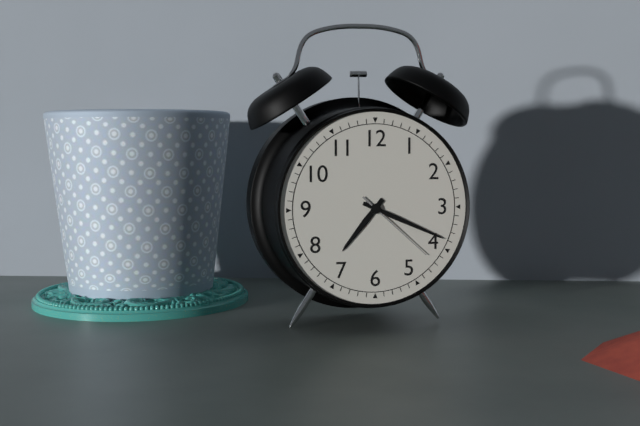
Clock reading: 7h19m22s
